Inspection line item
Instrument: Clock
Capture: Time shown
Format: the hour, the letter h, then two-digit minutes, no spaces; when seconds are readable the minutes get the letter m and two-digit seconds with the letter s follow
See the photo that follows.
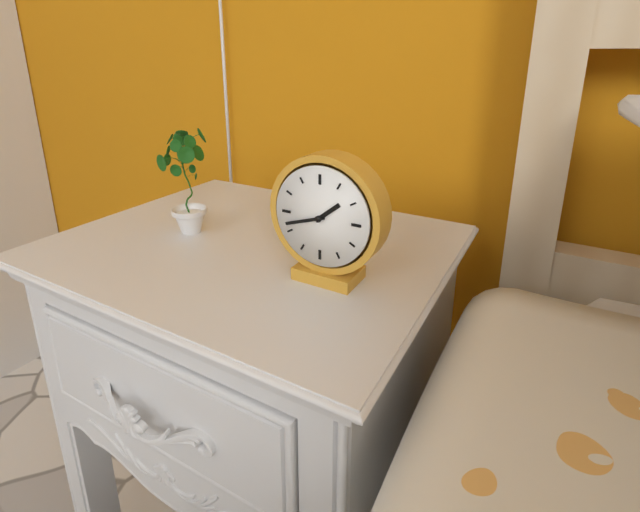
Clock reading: 1h42
